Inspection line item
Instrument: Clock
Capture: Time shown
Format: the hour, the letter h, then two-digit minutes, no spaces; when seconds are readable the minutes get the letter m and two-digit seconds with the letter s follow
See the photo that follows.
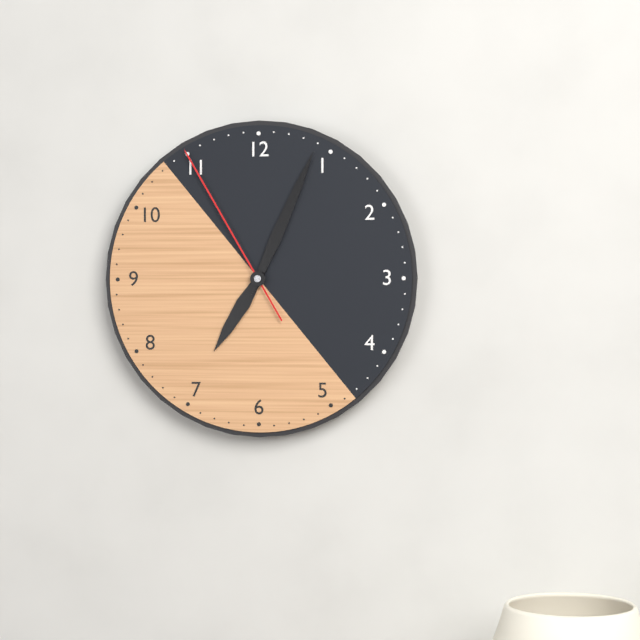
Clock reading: 7h04m55s
